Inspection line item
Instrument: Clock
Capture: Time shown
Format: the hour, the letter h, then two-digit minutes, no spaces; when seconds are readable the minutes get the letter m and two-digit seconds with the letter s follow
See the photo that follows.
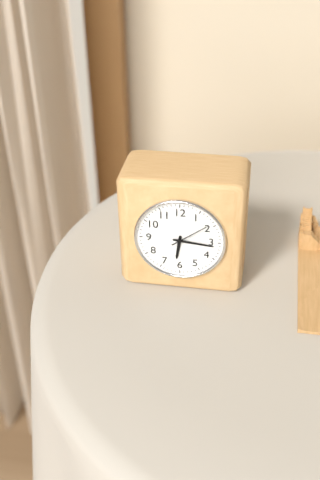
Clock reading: 6h16
